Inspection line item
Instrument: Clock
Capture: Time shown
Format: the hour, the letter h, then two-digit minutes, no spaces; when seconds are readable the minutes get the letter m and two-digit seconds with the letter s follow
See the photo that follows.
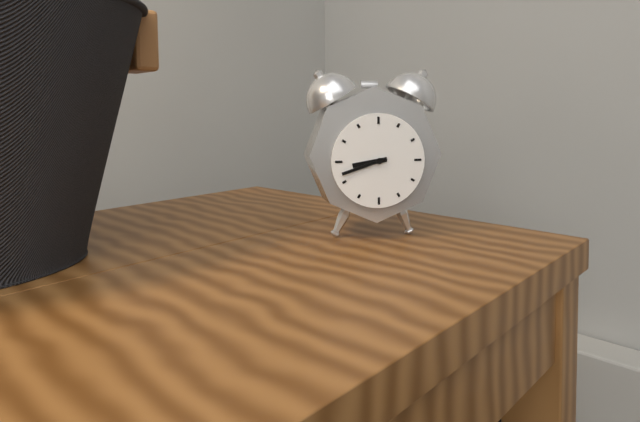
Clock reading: 8h42
